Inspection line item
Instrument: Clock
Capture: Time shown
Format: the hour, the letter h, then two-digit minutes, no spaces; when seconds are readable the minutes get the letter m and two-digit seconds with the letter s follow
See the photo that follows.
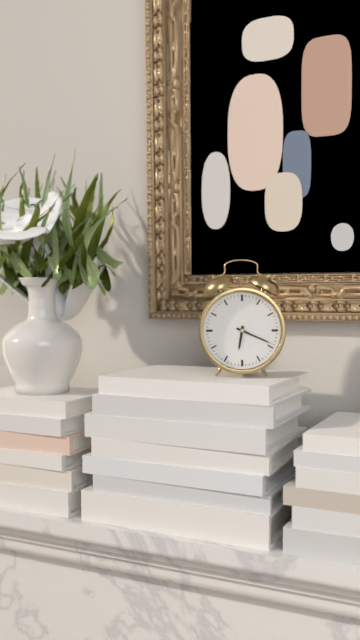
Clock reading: 6h19
